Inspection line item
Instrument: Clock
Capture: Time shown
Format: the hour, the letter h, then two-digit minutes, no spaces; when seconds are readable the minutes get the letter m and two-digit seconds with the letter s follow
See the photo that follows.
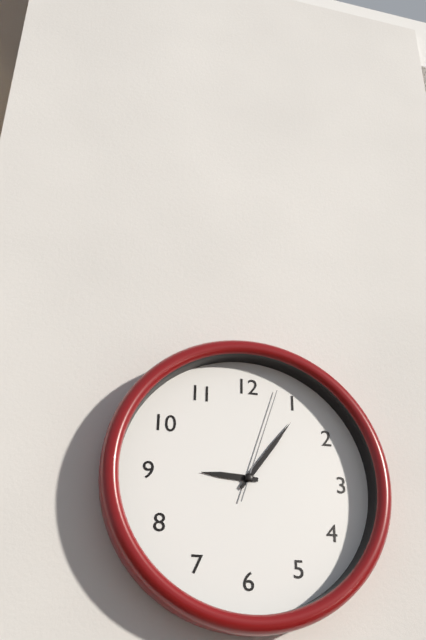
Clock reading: 9h06m03s
